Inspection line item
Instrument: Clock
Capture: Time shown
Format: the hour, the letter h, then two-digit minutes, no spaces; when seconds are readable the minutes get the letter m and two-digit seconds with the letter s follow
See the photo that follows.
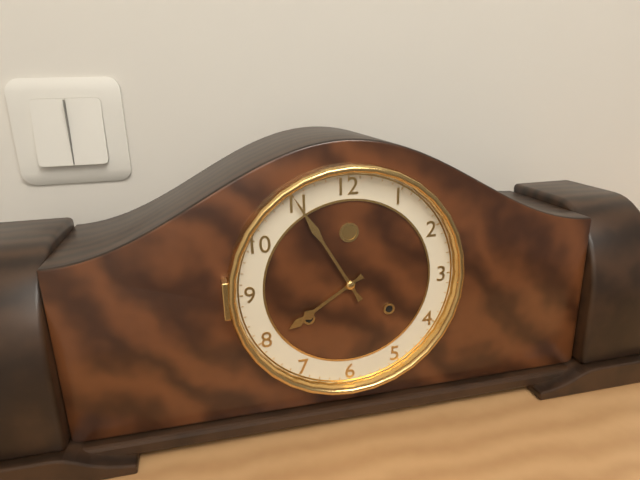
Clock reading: 7h55
